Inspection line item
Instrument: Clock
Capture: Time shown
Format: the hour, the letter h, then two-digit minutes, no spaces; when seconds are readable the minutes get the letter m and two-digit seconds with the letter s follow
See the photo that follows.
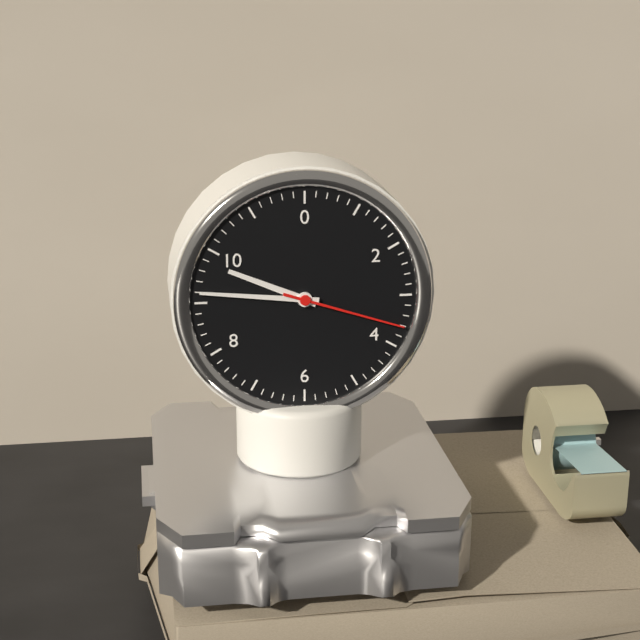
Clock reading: 9h46m18s
